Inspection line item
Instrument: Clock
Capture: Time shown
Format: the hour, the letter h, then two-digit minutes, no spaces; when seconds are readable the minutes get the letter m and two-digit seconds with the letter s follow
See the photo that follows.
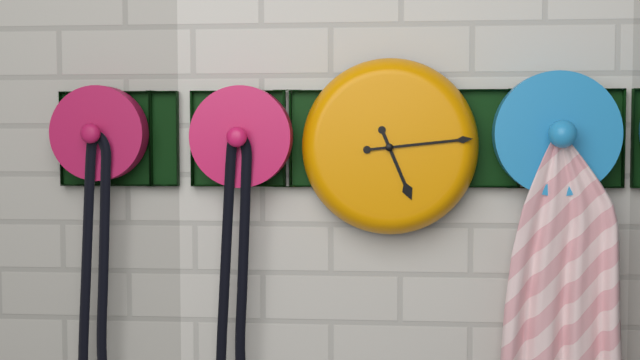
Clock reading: 5h14
